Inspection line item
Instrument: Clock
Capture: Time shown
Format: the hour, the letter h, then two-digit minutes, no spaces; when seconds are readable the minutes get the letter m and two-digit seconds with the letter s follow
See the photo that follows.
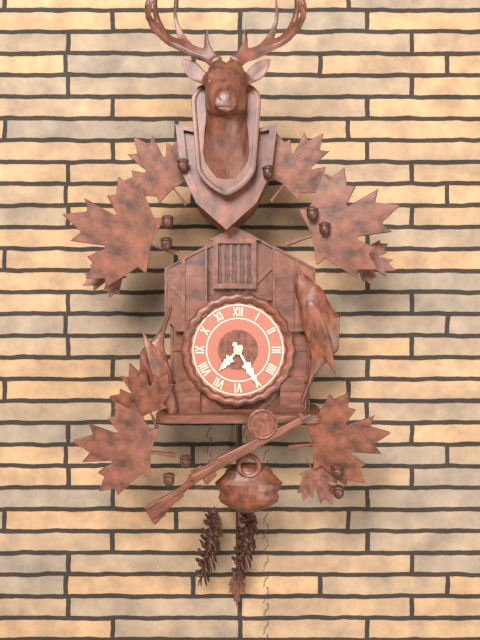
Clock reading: 7h25
